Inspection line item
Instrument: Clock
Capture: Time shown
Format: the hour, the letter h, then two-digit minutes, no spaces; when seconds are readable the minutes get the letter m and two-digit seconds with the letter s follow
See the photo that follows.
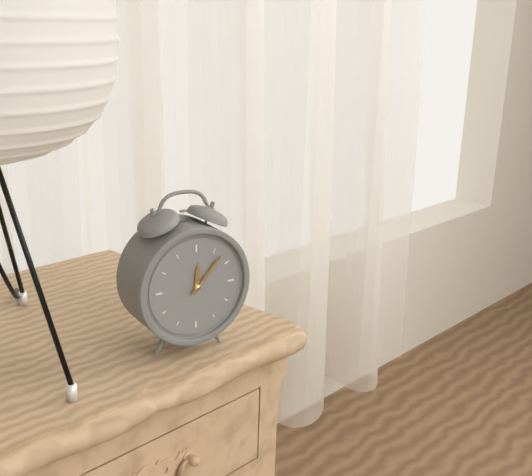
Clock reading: 12h07
